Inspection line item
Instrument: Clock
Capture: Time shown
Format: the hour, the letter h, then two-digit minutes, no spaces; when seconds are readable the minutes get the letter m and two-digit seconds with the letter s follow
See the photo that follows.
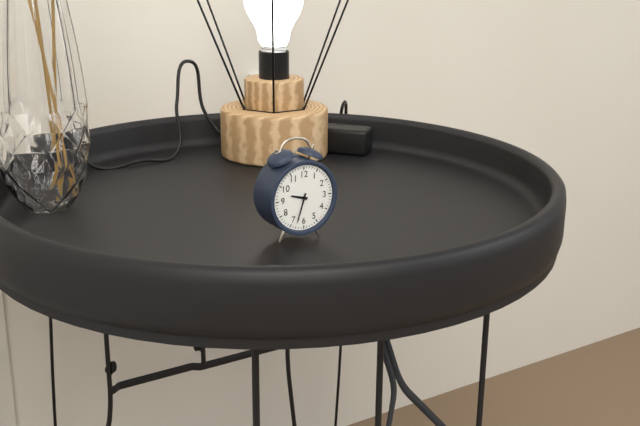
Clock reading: 9h33
